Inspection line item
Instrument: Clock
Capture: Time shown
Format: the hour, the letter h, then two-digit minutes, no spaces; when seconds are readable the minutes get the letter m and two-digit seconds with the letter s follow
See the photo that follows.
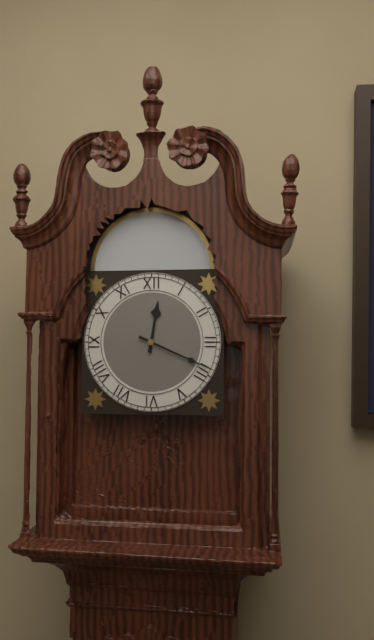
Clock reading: 12h19
